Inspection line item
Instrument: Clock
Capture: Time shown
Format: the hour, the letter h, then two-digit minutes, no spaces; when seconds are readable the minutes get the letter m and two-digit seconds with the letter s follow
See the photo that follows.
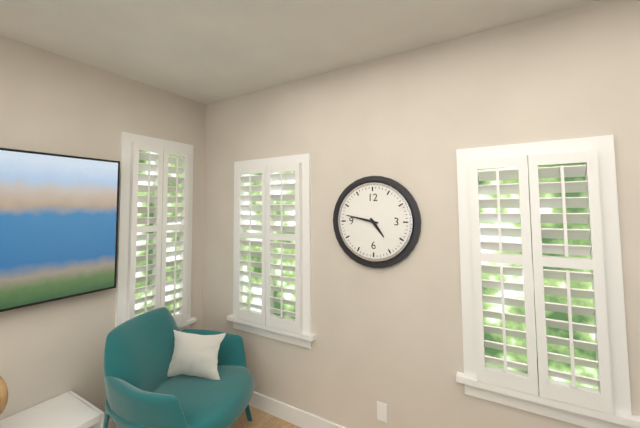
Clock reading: 4h47
